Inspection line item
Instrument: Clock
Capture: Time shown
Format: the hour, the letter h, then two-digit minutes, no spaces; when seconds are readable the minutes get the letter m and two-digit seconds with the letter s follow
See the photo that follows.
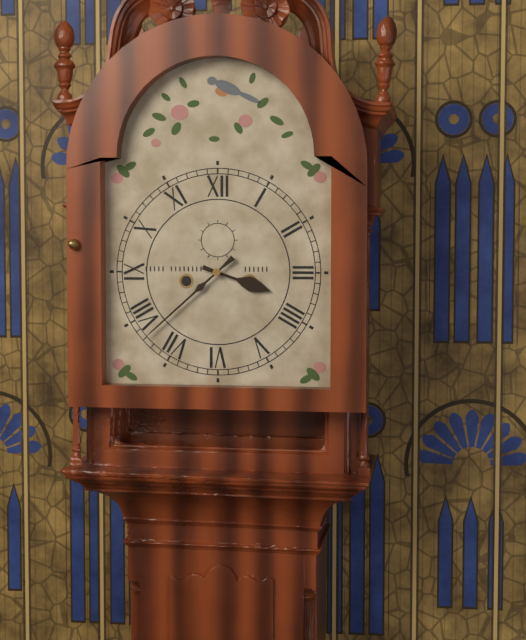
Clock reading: 3h38
